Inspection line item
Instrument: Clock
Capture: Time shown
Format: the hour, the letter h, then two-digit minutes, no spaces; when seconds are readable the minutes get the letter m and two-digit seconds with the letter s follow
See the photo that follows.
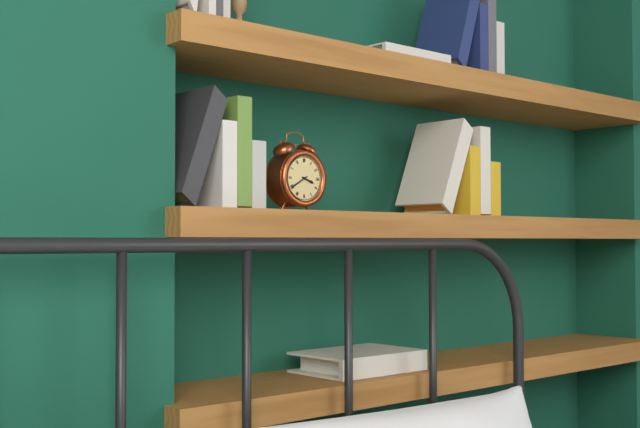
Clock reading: 3h40
